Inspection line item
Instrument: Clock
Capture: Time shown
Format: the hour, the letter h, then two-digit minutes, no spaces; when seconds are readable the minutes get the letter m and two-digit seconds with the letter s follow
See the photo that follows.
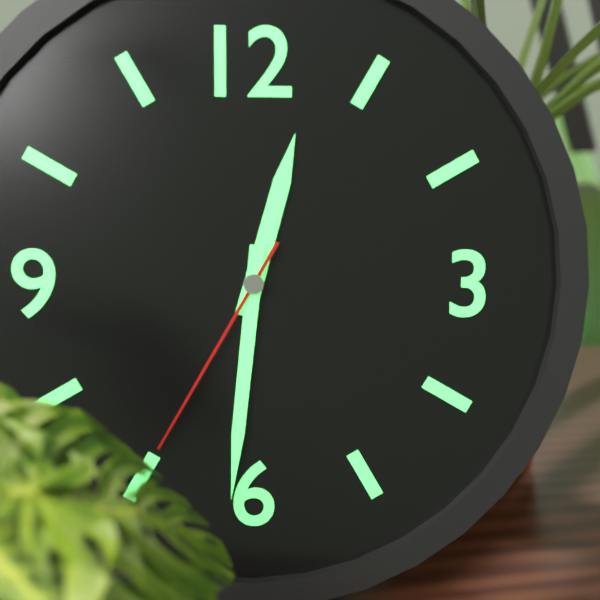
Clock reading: 12h31m35s
